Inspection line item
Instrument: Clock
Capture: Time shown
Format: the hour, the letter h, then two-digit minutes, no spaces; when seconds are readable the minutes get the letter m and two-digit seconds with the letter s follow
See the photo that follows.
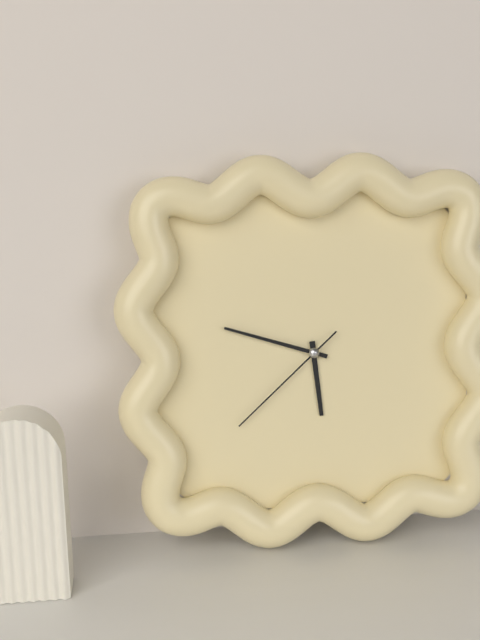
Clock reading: 5h48m38s
